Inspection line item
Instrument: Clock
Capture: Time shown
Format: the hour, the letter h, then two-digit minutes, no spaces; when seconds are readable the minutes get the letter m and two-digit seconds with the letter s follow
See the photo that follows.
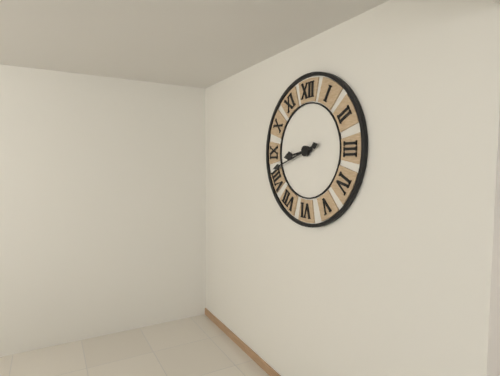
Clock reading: 8h42
